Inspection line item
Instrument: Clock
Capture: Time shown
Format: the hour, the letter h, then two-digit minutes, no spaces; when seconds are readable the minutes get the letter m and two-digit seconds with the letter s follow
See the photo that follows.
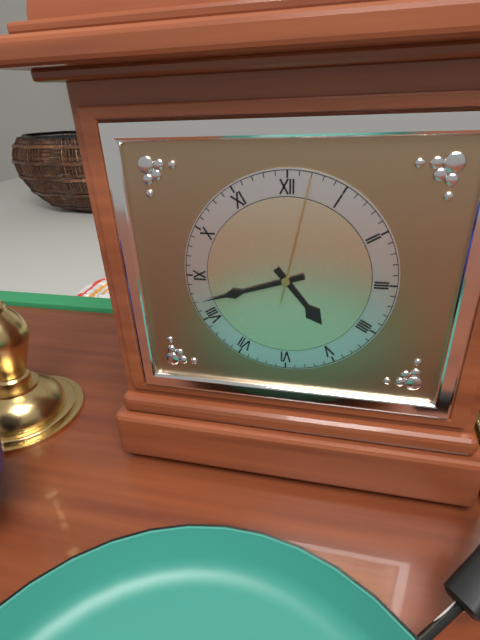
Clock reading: 4h42m02s
